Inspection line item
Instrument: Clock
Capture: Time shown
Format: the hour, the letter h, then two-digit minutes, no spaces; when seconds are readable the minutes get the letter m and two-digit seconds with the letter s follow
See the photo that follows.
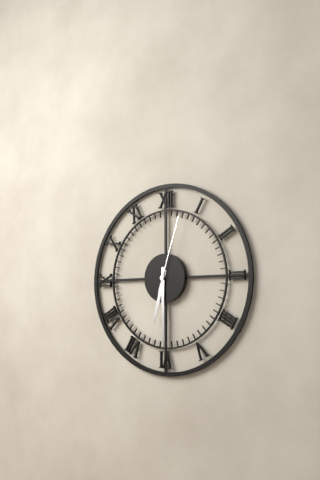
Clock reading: 6h30m03s
